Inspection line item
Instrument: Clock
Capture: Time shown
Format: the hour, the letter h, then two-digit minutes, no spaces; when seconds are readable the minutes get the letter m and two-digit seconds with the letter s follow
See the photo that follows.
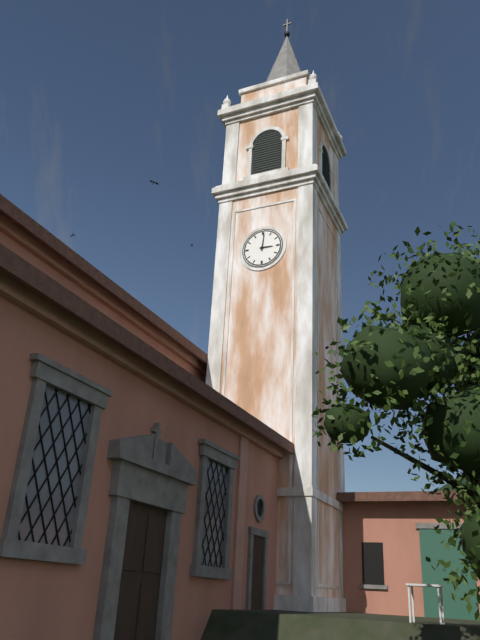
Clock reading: 3h01
